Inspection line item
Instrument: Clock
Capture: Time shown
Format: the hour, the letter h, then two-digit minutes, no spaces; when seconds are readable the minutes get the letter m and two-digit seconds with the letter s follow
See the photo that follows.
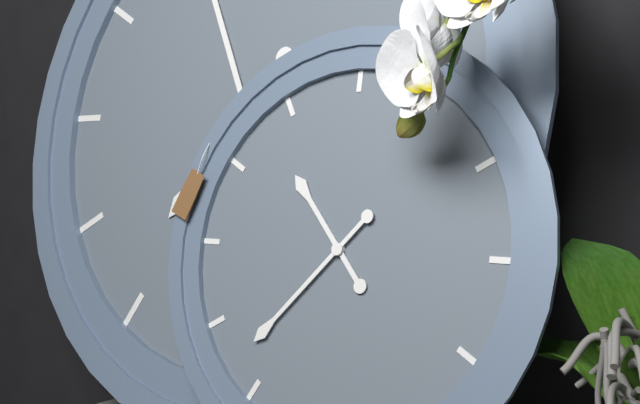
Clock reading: 10h37
